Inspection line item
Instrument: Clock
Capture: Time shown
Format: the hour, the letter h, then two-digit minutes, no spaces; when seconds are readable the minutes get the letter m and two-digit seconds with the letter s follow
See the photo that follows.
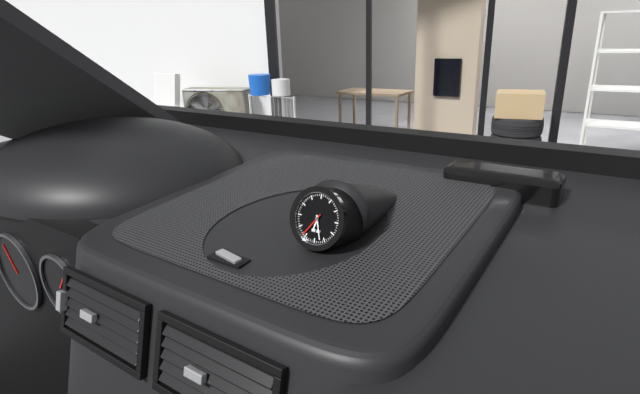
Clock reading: 6h27
